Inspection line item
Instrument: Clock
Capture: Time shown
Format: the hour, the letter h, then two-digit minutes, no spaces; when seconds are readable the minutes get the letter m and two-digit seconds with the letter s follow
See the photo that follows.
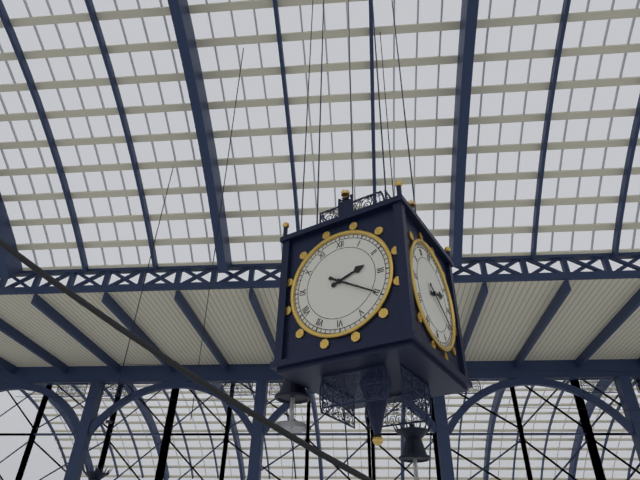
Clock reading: 2h20
